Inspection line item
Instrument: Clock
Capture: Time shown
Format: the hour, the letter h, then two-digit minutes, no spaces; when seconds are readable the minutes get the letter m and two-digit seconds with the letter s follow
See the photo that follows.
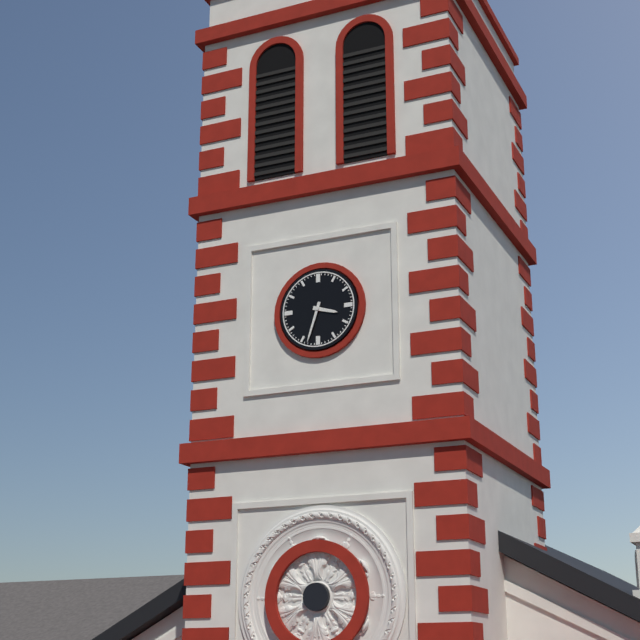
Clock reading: 3h33
